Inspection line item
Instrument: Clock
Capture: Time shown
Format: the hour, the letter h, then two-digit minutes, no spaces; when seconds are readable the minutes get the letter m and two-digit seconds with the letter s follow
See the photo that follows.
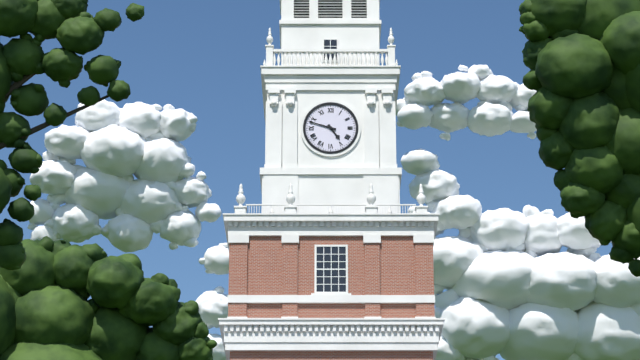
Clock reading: 4h48
